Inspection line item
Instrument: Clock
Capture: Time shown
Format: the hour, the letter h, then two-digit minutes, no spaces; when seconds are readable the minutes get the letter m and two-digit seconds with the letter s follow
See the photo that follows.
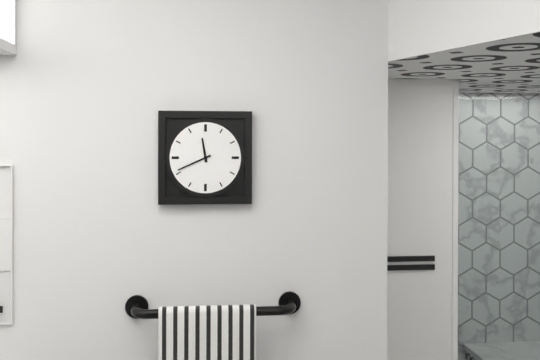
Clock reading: 11h41
